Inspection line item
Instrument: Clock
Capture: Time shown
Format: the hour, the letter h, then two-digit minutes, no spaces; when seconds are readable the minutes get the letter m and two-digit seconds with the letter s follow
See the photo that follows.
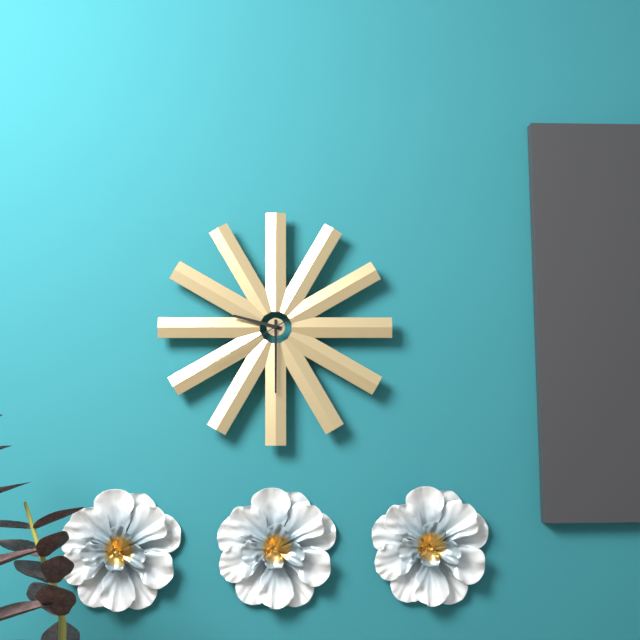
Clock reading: 9h30m40s
